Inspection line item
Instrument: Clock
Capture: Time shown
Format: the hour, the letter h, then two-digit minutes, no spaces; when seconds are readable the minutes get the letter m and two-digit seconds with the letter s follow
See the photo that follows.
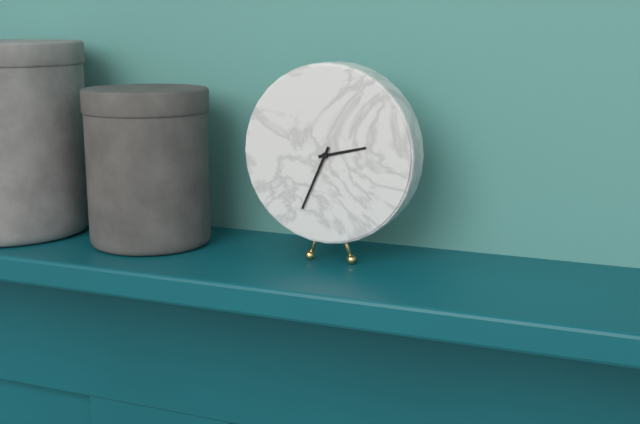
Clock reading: 2h34
